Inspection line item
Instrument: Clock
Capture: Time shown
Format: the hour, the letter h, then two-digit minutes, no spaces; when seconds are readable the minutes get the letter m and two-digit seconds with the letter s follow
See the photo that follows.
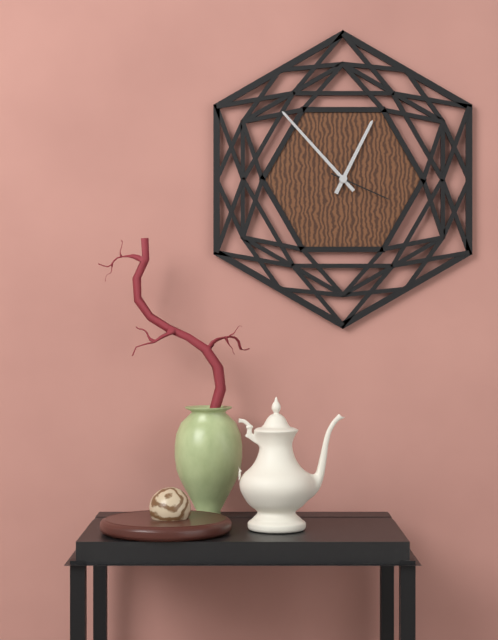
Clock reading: 12h53m19s
